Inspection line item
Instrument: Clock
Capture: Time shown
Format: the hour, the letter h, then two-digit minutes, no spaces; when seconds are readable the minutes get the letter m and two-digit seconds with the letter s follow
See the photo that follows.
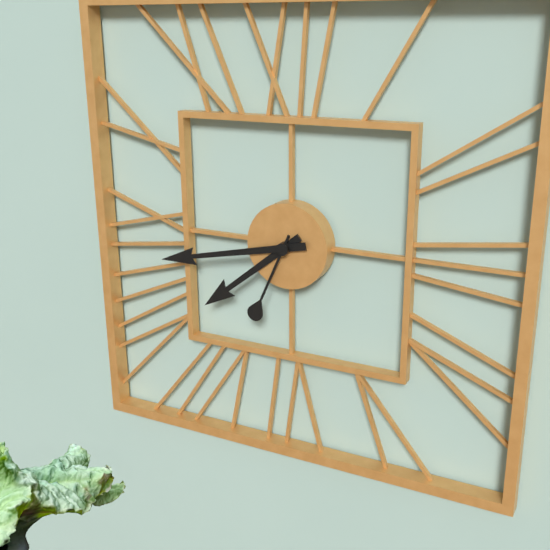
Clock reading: 7h43m34s
